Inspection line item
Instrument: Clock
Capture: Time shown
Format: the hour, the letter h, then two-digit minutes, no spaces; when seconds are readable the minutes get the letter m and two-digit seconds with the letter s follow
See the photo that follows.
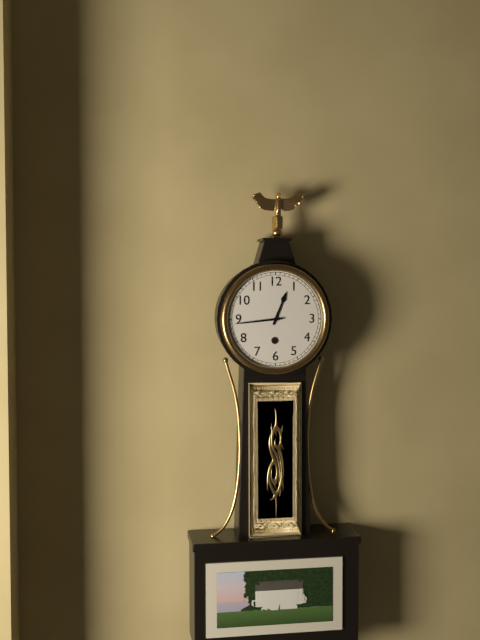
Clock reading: 12h44
